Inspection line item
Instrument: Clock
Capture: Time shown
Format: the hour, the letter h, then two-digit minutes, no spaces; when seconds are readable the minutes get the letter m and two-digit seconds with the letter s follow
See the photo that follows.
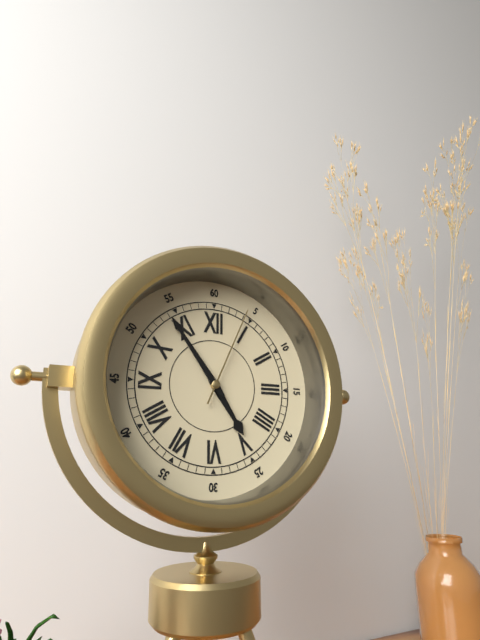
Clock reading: 4h54m04s
